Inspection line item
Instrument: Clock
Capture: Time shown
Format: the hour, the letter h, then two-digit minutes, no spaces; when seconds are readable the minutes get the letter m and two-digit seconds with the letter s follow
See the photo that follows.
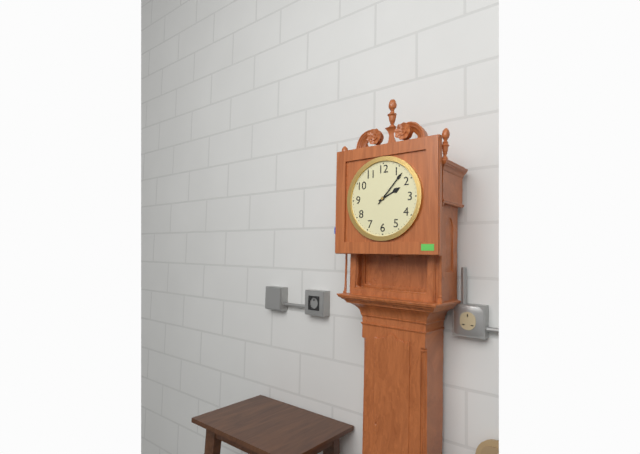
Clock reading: 2h07
